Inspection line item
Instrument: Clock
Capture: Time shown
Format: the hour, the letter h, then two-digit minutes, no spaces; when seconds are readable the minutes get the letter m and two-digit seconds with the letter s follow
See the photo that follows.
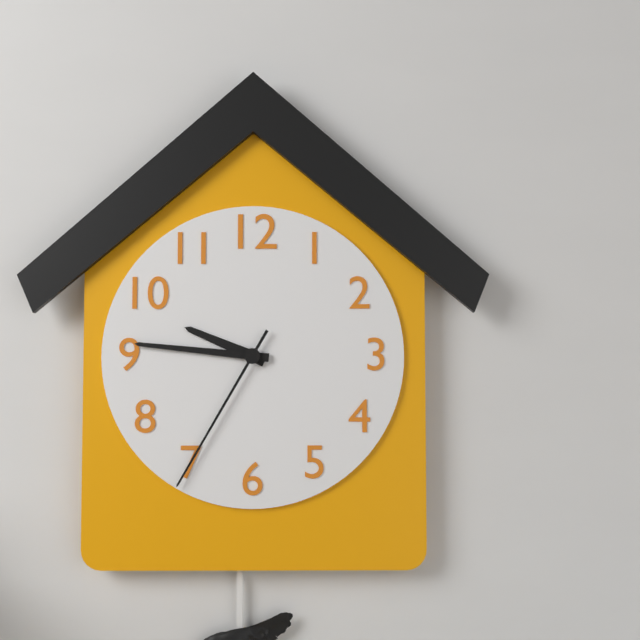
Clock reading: 9h46m35s
